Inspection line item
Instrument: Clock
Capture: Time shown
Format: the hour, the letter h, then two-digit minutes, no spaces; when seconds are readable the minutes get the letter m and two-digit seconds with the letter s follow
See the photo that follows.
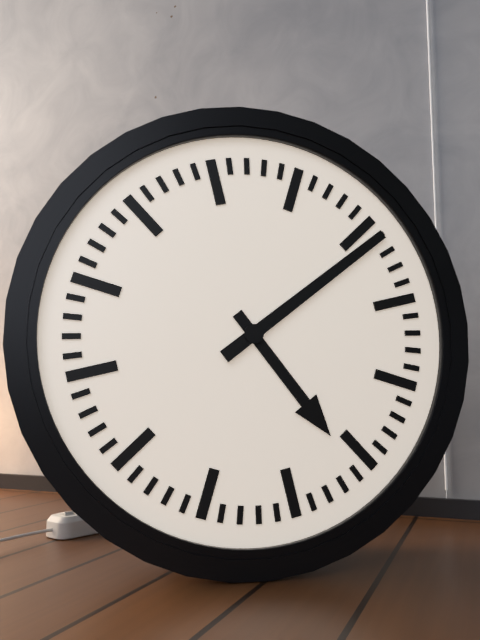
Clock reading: 5h11
